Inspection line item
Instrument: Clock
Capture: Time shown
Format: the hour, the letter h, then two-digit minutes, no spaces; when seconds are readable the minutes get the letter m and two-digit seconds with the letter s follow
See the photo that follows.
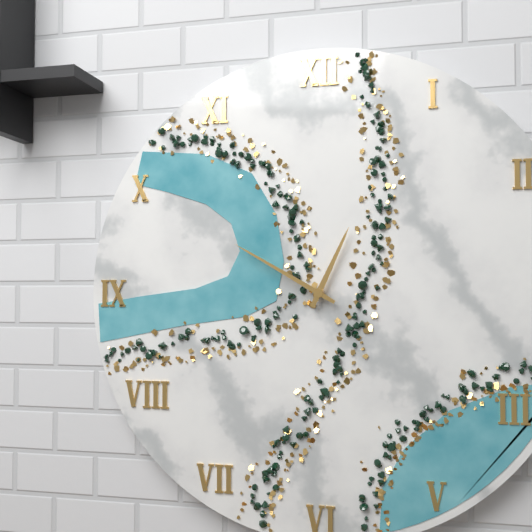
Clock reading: 12h50
